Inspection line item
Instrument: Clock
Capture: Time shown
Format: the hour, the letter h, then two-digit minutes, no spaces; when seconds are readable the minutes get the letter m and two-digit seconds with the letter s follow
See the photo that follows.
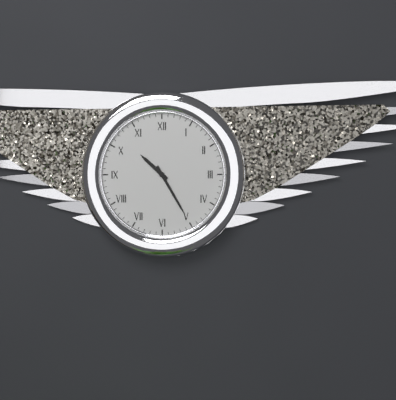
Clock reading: 10h25
